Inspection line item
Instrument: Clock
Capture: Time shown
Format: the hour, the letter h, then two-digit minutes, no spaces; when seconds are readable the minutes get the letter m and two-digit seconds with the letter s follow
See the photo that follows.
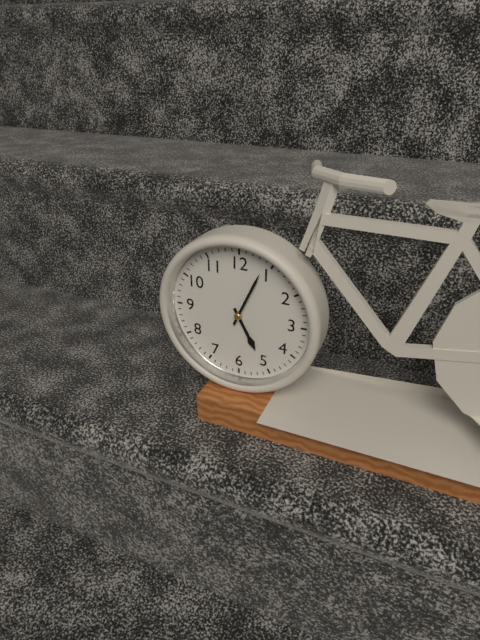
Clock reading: 5h04
